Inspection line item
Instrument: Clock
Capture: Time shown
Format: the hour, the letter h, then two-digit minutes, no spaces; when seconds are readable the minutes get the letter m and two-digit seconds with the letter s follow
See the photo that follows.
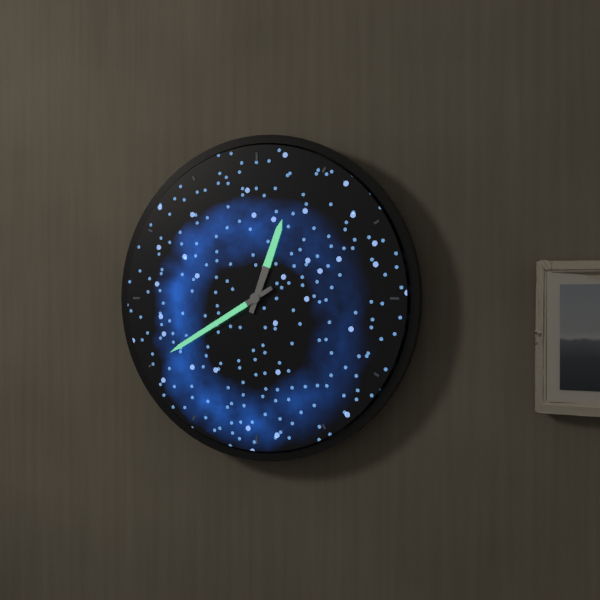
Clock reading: 12h40
